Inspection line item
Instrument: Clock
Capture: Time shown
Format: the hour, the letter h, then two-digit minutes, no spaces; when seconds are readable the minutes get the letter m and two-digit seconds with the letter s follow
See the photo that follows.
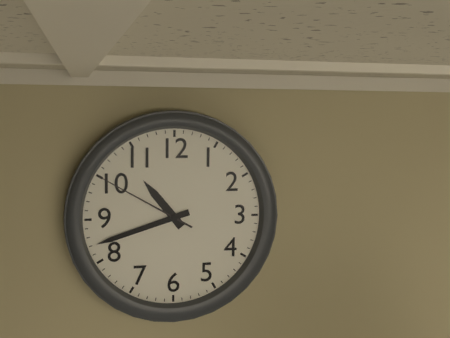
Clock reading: 10h42m50s
